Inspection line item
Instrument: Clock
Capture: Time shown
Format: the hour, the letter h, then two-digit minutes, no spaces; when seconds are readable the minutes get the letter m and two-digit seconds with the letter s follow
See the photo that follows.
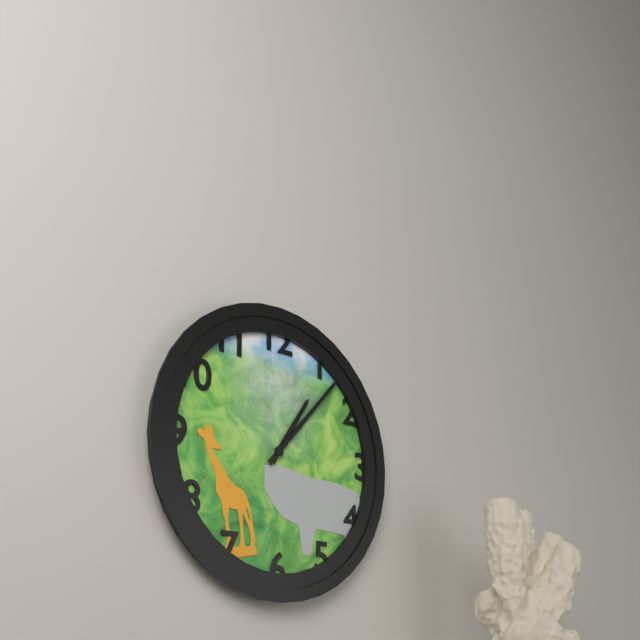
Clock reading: 1h07
